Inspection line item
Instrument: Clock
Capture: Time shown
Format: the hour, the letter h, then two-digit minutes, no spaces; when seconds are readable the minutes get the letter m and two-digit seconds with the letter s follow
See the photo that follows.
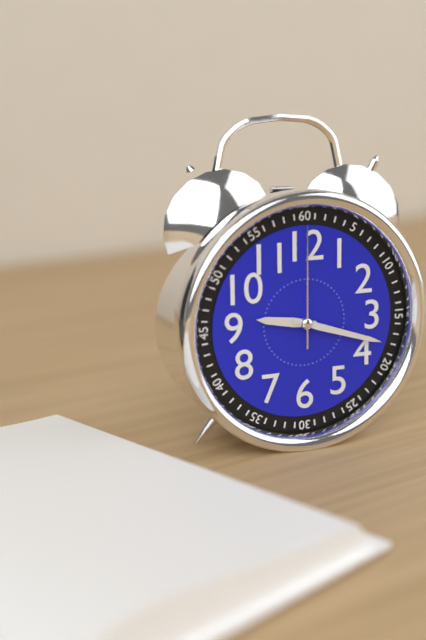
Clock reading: 9h18m00s
